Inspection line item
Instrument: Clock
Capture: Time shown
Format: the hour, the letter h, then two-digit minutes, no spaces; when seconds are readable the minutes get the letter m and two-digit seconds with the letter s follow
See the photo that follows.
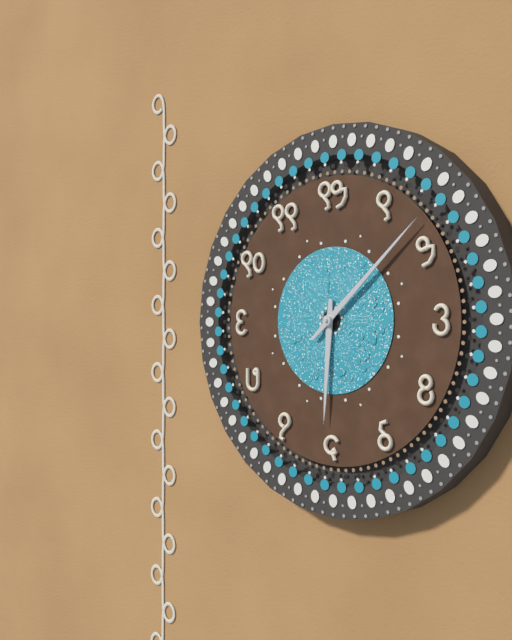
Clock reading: 6h08
